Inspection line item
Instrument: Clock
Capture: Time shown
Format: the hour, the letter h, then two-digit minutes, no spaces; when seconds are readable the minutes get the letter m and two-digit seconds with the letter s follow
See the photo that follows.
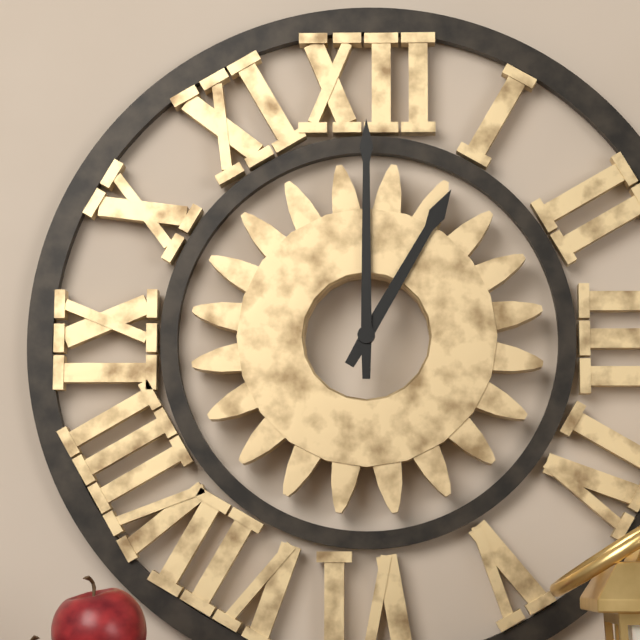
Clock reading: 1h00
